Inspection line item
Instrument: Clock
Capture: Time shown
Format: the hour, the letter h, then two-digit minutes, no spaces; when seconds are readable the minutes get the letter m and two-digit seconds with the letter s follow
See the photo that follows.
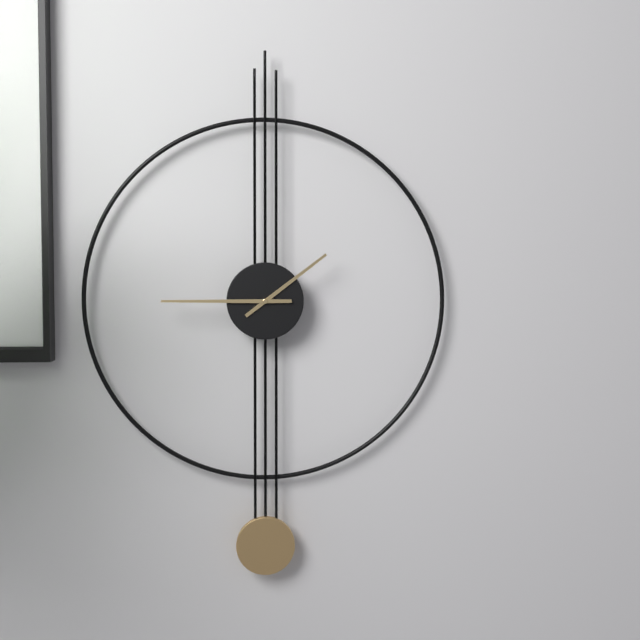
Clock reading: 1h45
